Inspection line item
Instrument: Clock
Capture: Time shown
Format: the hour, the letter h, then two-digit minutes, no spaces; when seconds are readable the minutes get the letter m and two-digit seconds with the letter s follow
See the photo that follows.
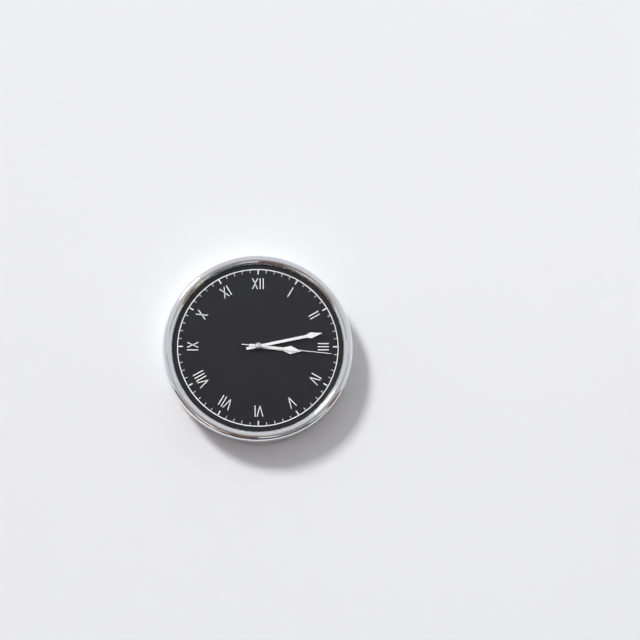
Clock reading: 3h13m16s
